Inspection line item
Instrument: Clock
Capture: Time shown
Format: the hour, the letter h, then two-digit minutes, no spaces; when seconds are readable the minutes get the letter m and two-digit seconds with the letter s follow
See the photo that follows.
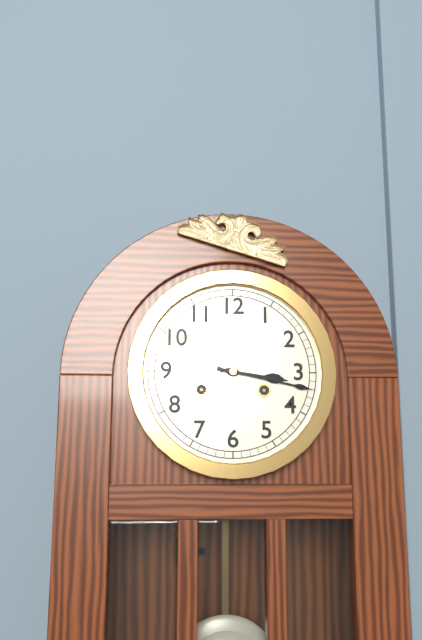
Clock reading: 3h17
